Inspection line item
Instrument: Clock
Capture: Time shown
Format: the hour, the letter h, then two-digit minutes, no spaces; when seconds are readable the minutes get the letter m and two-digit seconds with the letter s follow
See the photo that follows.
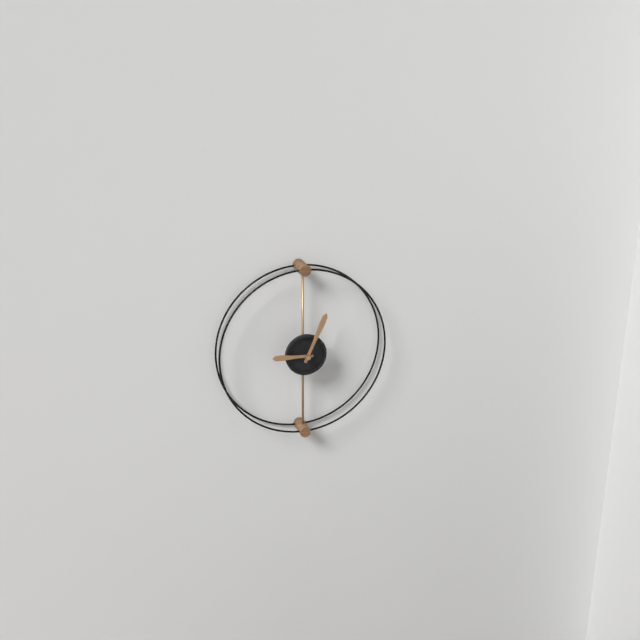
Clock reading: 9h04
